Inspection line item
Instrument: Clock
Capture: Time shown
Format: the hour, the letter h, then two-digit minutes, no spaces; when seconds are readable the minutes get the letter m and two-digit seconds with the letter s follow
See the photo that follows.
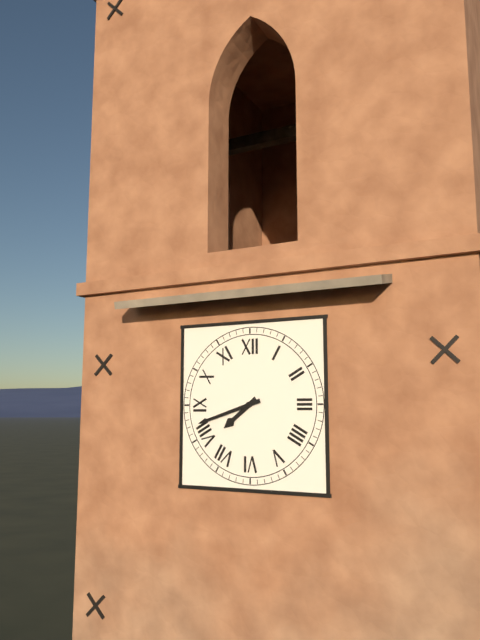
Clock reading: 7h42
